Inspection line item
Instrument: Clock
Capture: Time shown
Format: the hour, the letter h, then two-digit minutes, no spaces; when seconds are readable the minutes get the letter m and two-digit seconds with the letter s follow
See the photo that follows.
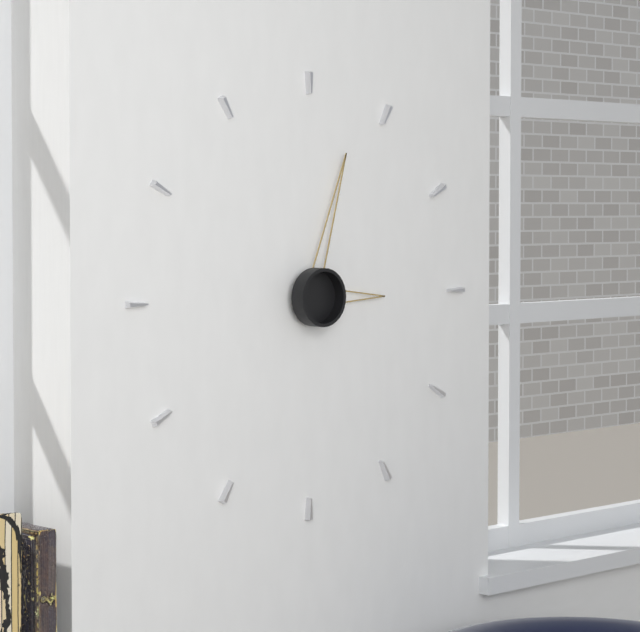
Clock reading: 3h03
